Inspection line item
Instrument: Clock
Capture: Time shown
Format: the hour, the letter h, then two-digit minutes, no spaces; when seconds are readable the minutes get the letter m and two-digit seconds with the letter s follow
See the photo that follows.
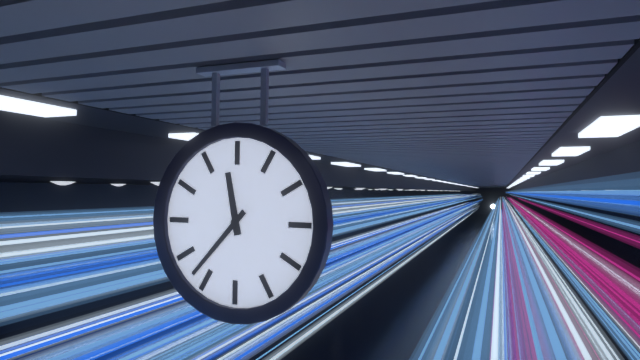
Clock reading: 11h37
